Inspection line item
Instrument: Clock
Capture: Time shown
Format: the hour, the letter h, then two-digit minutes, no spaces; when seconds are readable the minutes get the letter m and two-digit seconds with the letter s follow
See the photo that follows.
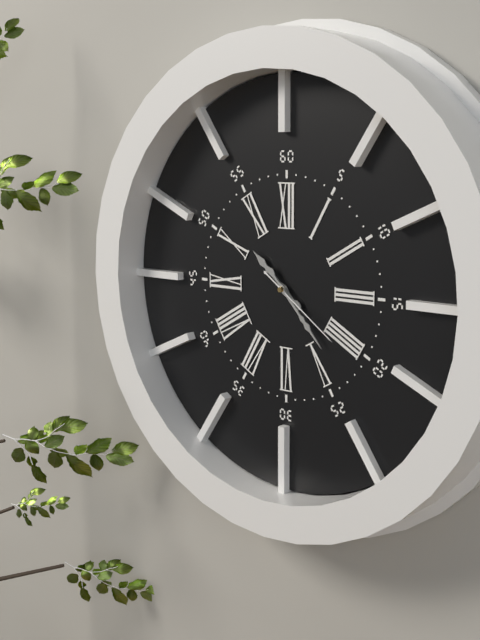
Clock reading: 10h23m21s
